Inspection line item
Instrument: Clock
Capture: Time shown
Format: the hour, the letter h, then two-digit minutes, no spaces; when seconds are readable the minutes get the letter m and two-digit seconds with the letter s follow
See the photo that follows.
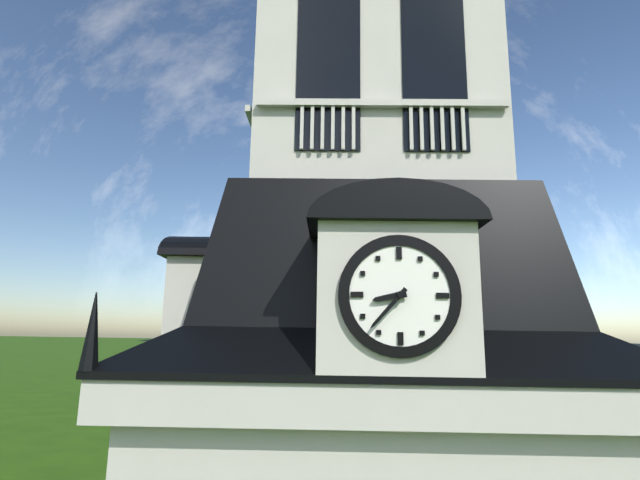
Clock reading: 8h37
